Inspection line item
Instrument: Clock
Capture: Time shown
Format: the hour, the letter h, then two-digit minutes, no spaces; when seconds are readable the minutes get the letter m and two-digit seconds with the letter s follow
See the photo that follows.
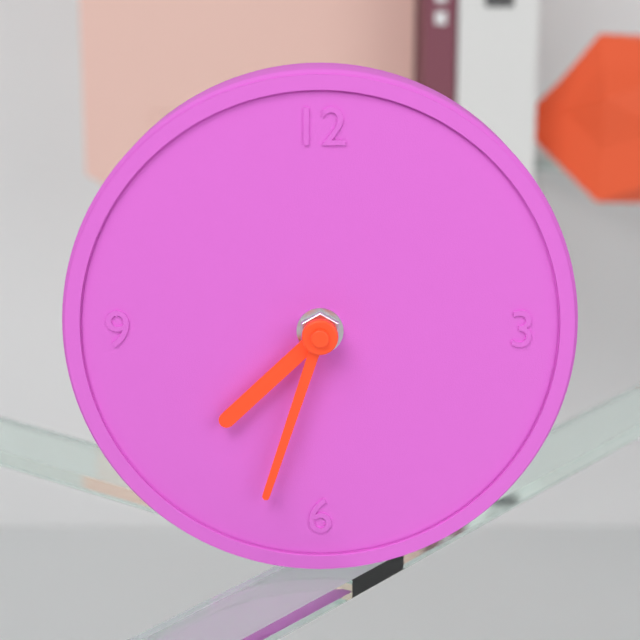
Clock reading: 7h33
